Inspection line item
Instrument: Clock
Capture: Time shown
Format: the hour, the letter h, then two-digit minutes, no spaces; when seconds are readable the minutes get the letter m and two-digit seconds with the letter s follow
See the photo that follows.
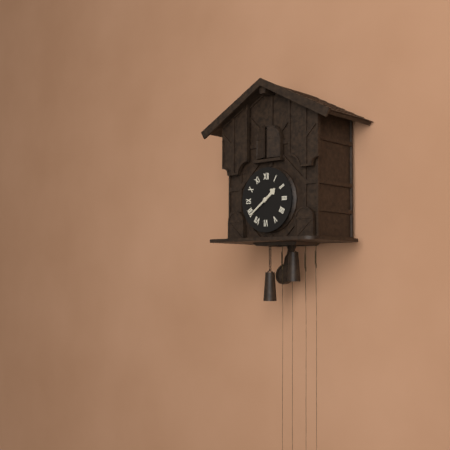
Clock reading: 1h39
